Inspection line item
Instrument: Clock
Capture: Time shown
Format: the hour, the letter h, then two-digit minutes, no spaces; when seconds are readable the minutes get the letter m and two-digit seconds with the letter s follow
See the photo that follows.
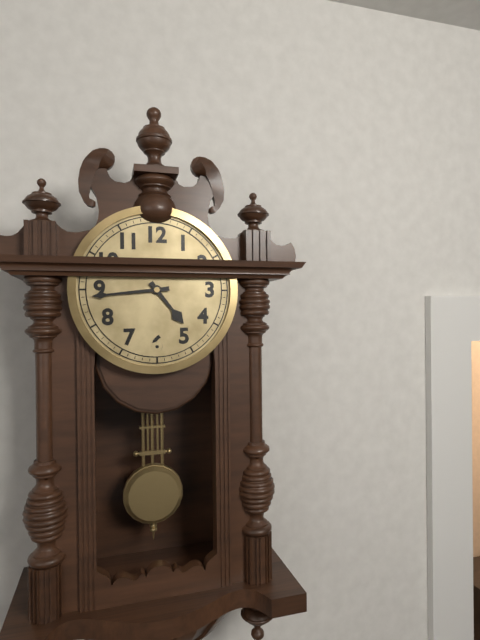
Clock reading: 4h44
